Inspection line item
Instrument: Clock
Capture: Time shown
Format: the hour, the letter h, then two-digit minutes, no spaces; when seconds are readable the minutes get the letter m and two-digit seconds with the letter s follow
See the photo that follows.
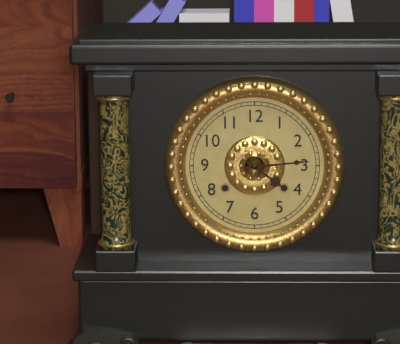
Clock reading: 4h14
